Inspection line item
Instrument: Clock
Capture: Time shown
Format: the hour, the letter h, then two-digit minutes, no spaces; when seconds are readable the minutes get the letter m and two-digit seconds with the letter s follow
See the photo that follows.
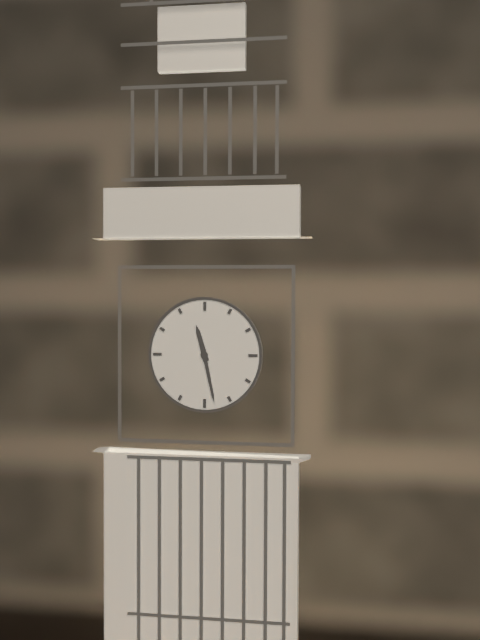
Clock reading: 11h28
